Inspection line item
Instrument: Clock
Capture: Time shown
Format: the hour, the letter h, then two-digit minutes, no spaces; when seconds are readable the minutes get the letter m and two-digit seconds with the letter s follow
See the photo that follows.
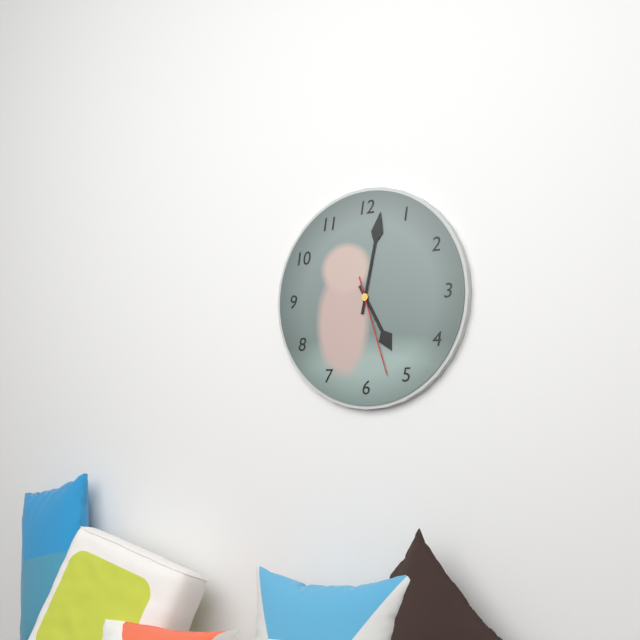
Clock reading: 5h02m27s
